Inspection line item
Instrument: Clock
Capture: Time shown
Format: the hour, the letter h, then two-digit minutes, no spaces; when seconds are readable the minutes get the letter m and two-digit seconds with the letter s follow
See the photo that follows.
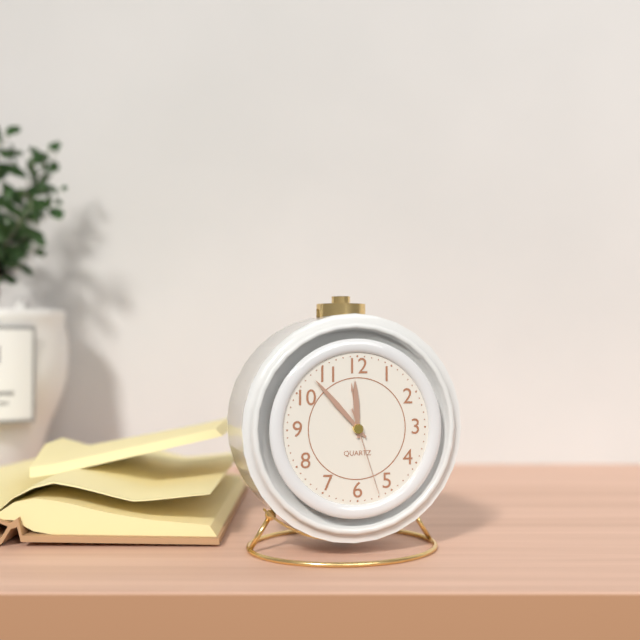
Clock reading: 11h53m27s
